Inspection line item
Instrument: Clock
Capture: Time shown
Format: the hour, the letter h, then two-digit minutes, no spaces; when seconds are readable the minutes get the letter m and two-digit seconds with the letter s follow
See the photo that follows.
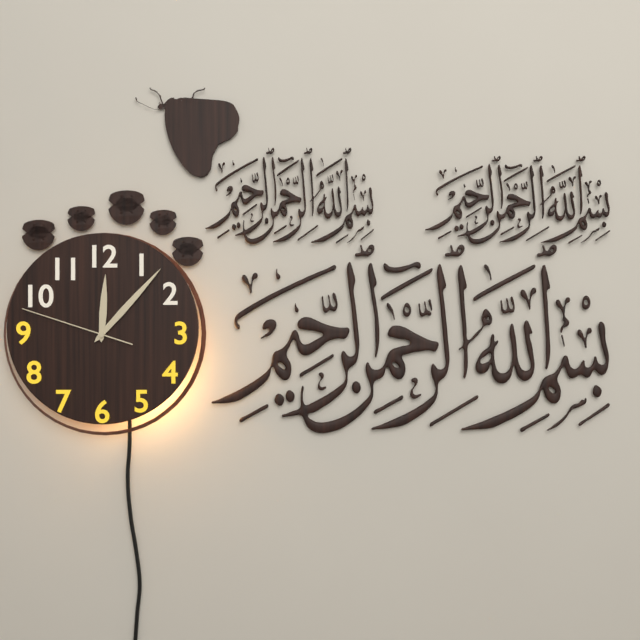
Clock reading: 12h07m48s
